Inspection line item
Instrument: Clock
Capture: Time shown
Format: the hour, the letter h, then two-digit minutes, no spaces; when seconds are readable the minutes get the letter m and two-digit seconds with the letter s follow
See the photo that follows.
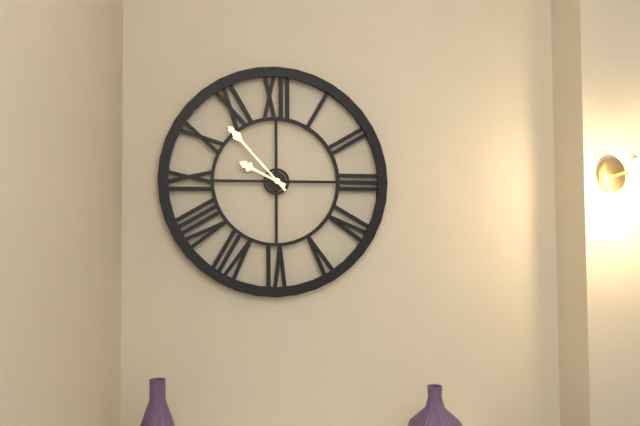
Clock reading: 9h53
